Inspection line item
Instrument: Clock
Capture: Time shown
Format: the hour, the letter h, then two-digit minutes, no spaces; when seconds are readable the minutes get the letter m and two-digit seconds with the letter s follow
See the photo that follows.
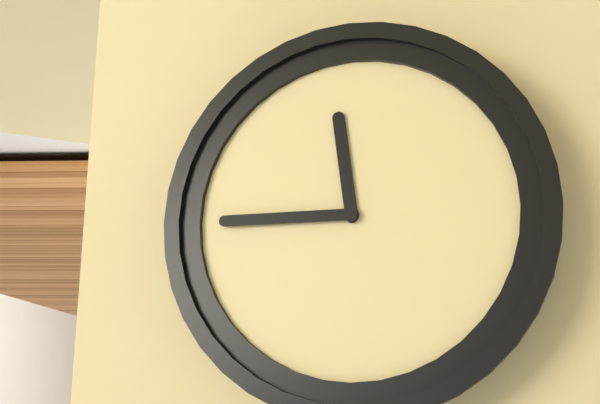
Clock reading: 11h45
